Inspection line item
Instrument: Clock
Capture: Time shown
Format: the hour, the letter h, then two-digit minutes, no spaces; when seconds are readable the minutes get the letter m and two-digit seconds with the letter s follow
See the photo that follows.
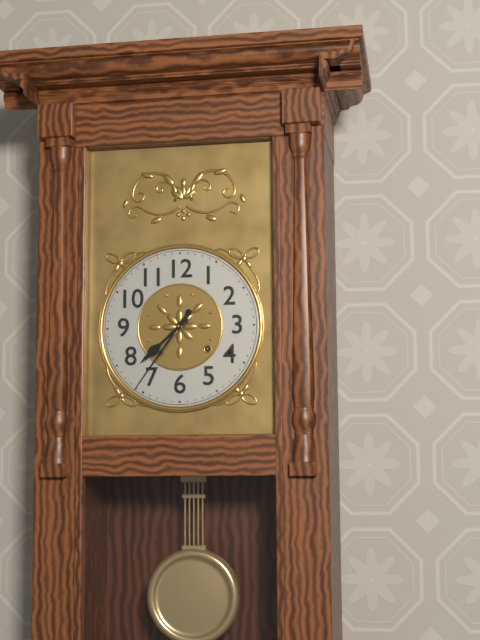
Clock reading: 7h36
